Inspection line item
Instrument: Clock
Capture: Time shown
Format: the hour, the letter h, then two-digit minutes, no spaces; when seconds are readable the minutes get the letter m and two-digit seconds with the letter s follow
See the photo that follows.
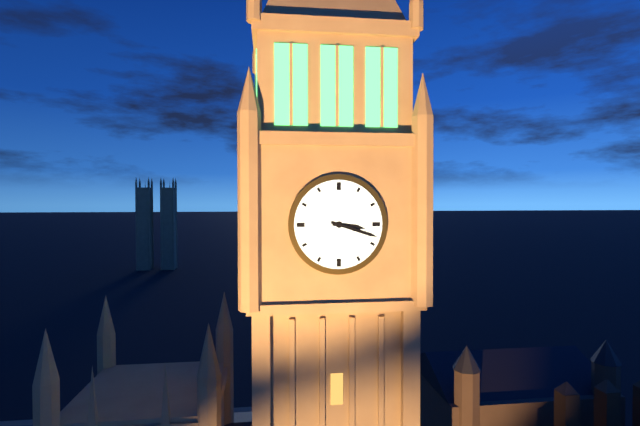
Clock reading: 3h18
